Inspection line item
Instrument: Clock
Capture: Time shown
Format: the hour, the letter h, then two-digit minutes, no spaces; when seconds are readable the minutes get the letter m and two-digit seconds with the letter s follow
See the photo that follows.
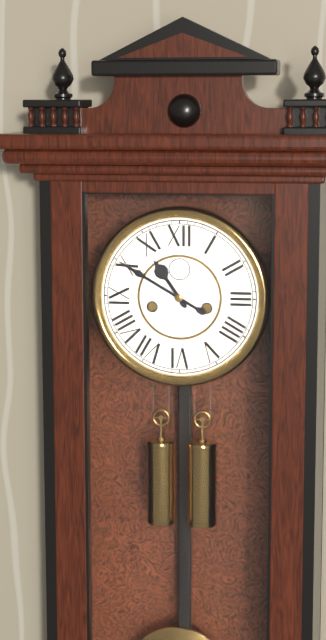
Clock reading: 10h50
